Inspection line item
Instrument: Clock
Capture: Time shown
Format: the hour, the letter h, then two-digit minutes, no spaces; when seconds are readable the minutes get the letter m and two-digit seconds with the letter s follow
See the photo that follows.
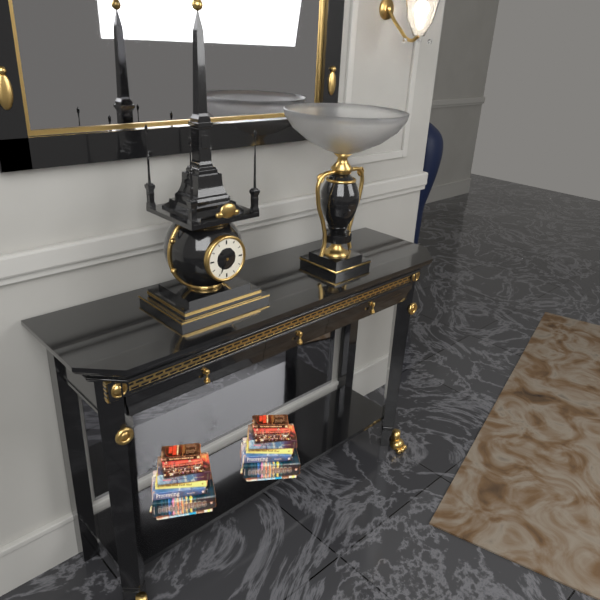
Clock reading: 10h35
